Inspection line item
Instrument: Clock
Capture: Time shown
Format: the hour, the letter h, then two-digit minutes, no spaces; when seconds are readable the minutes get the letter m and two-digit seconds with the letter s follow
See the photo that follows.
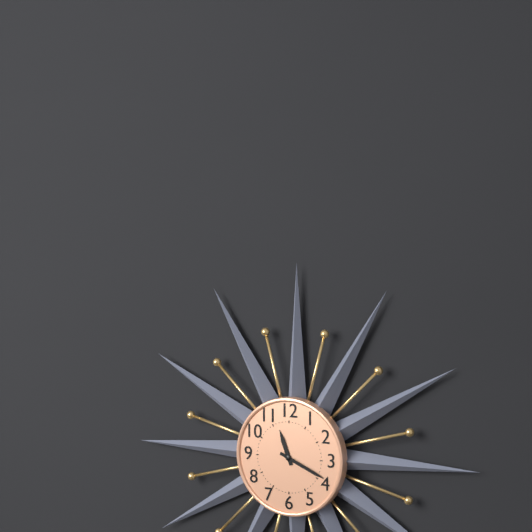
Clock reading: 11h19
